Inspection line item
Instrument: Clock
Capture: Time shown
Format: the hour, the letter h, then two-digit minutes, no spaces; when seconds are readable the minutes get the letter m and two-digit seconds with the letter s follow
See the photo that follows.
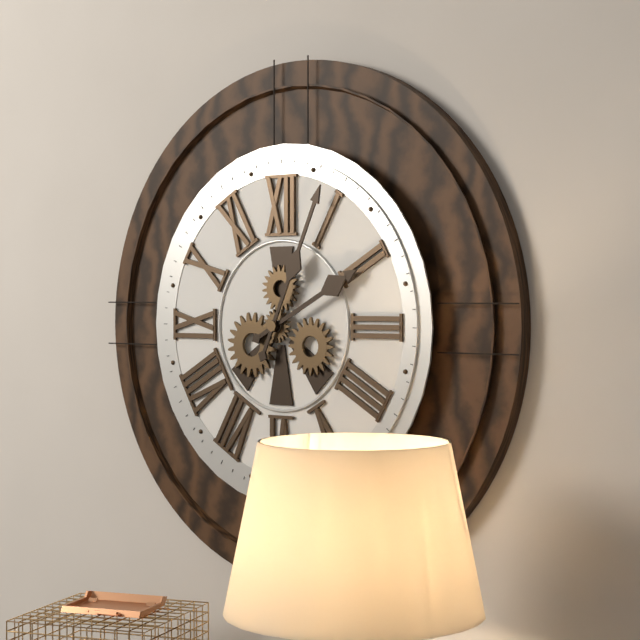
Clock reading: 2h04
